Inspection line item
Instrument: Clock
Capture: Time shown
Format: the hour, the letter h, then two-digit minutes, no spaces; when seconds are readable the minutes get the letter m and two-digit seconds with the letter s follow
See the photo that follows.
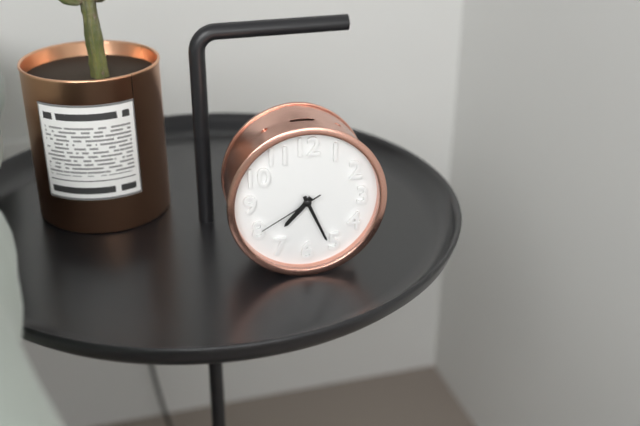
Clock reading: 7h26m40s
